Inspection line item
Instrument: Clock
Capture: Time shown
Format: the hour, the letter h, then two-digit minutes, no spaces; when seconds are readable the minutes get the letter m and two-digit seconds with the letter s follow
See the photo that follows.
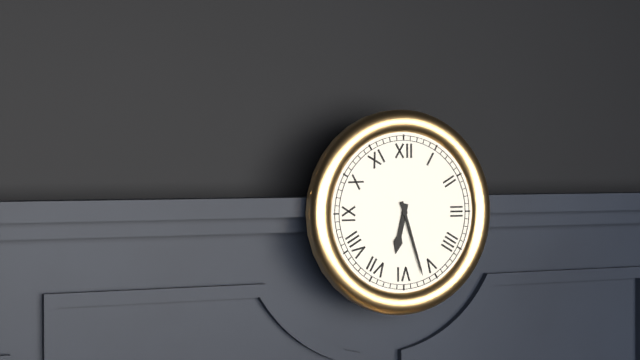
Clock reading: 6h27
